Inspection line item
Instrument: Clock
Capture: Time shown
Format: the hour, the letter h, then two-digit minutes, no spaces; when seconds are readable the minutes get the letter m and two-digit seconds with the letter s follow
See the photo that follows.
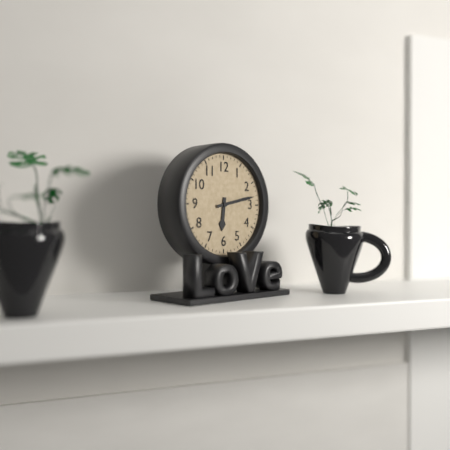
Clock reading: 6h13
